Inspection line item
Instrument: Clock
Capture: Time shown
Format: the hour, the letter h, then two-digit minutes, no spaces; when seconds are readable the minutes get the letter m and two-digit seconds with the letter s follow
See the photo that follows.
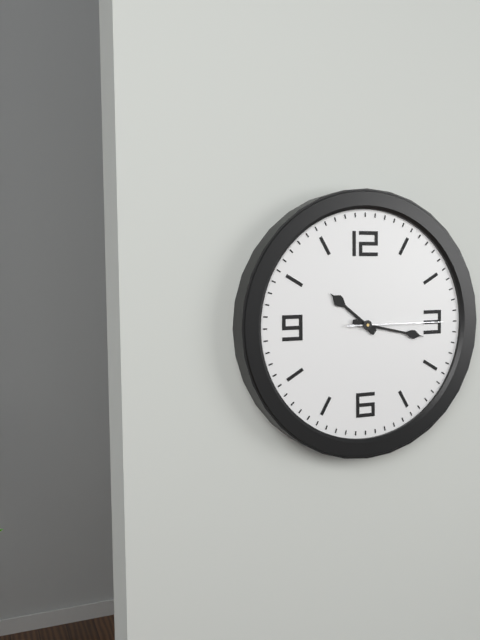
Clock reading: 10h17m15s
